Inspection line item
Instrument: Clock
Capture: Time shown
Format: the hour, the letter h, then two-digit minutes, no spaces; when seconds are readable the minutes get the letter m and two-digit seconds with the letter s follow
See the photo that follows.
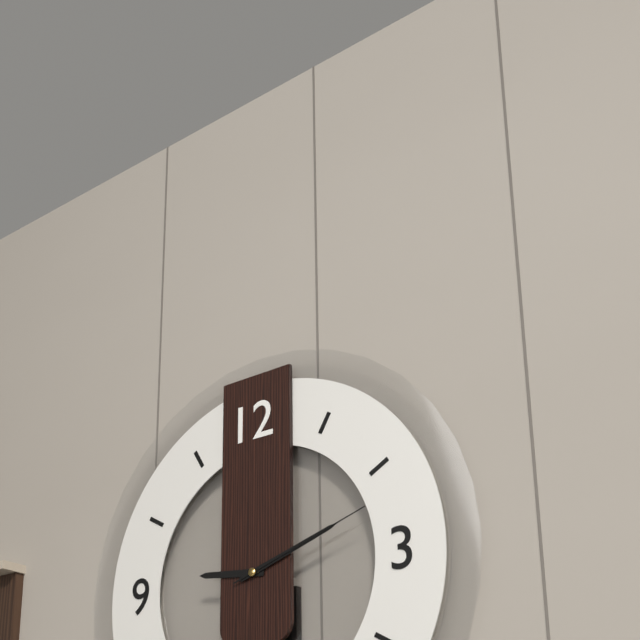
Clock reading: 9h12m12s
